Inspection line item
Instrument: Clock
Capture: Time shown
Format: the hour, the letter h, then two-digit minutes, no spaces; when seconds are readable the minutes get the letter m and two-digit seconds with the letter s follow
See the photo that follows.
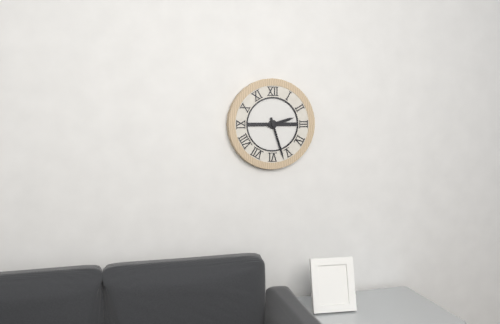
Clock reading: 2h27
